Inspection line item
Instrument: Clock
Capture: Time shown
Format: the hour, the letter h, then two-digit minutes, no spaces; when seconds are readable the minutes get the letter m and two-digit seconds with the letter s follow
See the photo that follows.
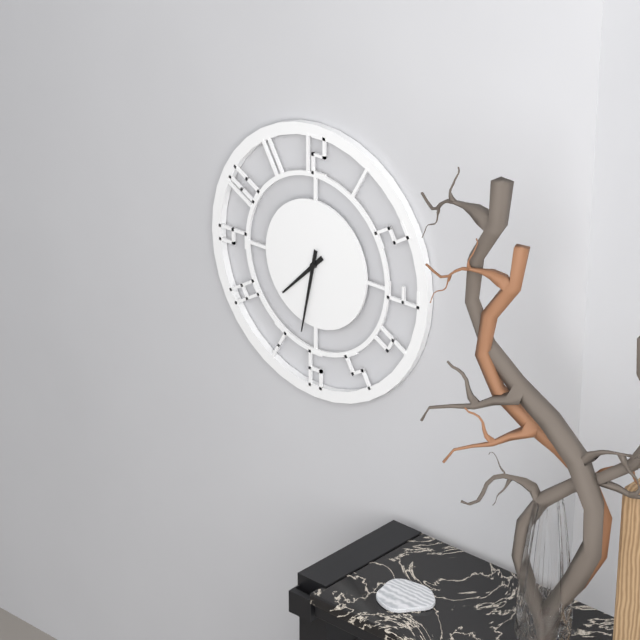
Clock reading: 7h32
